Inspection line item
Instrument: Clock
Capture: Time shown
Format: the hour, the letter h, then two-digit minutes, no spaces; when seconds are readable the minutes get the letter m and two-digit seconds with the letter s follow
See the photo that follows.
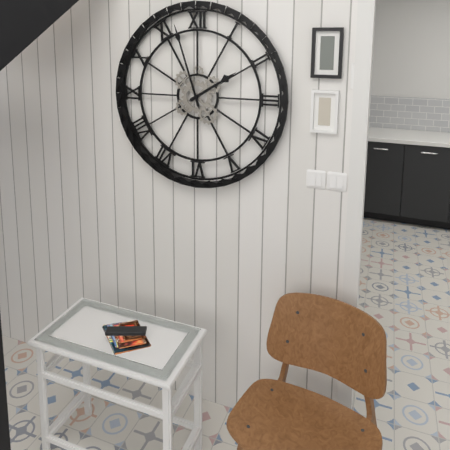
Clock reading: 1h57
